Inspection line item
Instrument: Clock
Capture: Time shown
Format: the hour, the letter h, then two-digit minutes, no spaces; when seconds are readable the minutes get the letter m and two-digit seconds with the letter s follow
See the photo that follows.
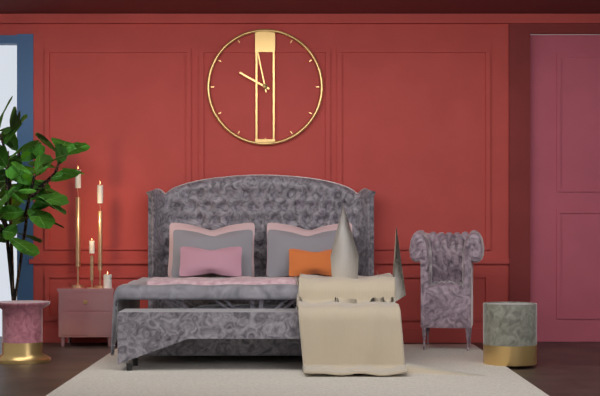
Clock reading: 9h58
